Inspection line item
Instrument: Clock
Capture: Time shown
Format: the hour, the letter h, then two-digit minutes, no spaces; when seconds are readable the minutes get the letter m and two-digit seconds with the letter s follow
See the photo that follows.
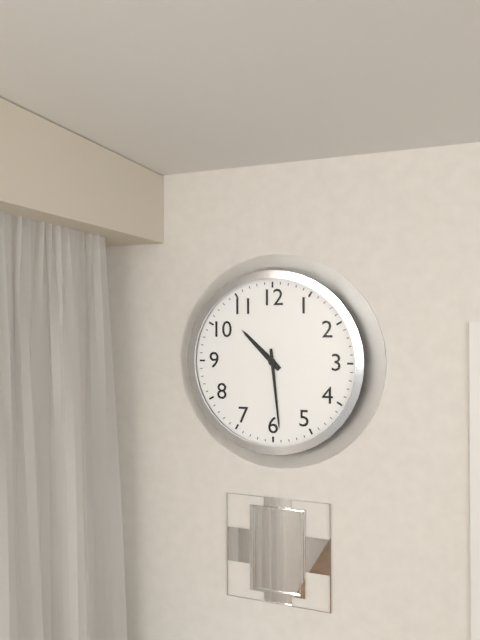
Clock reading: 10h29
